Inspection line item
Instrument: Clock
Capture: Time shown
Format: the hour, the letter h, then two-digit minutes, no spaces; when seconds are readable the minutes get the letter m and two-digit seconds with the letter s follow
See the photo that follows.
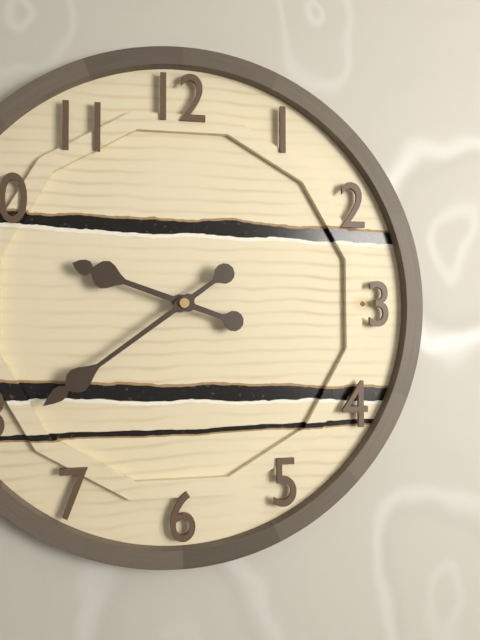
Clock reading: 9h39
